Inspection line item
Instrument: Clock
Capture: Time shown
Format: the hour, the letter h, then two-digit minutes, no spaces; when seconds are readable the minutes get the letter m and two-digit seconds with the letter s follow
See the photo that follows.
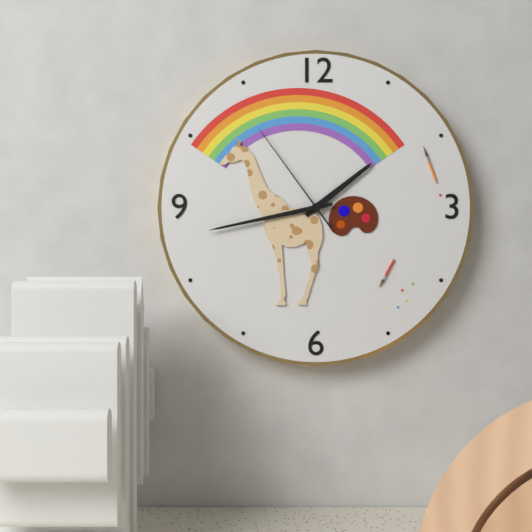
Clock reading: 1h43m54s
